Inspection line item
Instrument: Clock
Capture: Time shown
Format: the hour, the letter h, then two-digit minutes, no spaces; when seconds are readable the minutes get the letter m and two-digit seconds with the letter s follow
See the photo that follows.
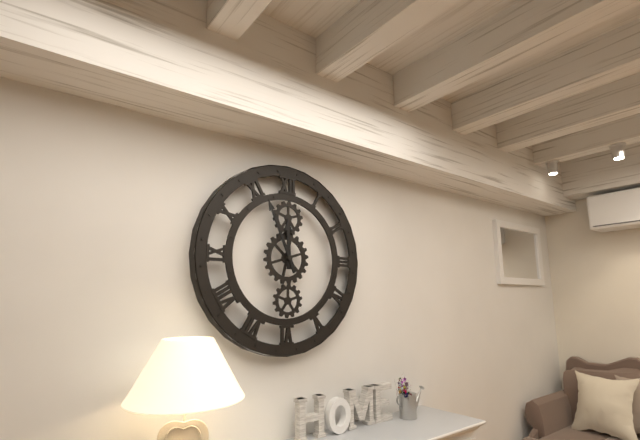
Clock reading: 11h56
